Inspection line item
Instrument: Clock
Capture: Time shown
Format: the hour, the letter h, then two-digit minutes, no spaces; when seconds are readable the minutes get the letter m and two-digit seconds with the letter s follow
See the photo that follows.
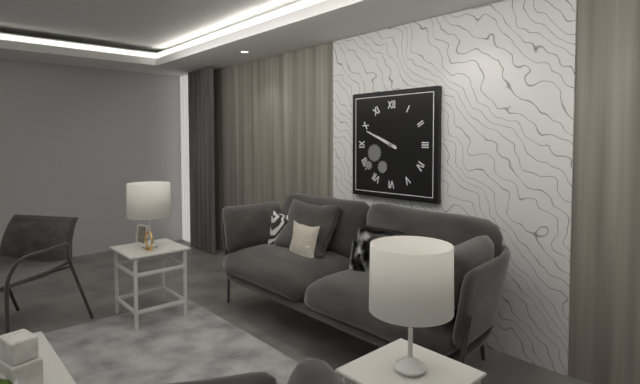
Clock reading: 9h49
